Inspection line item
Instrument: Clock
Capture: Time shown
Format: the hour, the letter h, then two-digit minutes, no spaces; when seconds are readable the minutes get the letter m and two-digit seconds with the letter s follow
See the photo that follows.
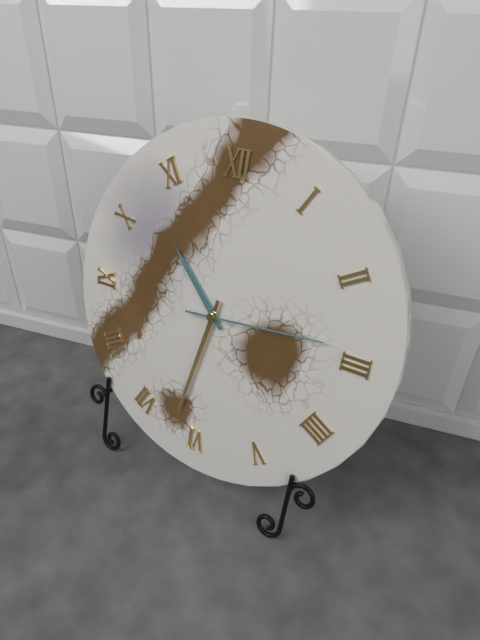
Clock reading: 10h32m14s
